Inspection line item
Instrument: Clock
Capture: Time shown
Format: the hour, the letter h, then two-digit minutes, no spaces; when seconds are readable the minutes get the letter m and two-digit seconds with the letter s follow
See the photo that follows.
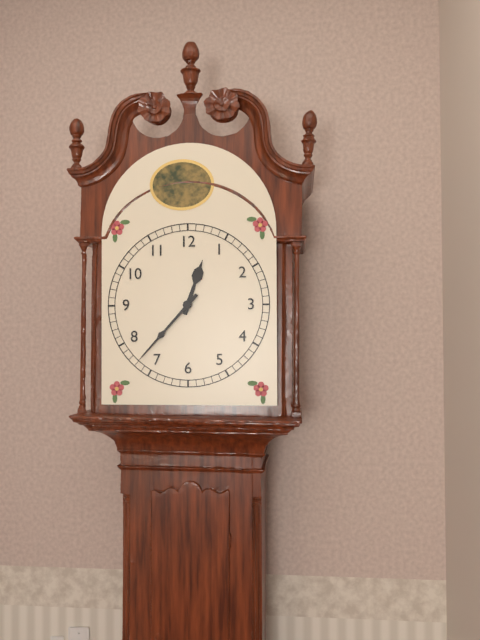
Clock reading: 12h37
